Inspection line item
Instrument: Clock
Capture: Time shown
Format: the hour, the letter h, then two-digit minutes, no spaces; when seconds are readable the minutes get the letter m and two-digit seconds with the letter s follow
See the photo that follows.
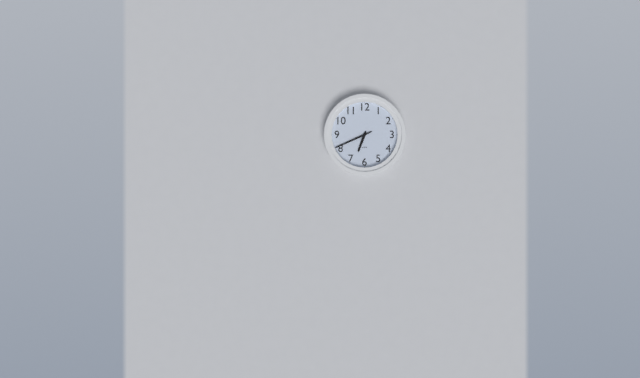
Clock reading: 6h41
